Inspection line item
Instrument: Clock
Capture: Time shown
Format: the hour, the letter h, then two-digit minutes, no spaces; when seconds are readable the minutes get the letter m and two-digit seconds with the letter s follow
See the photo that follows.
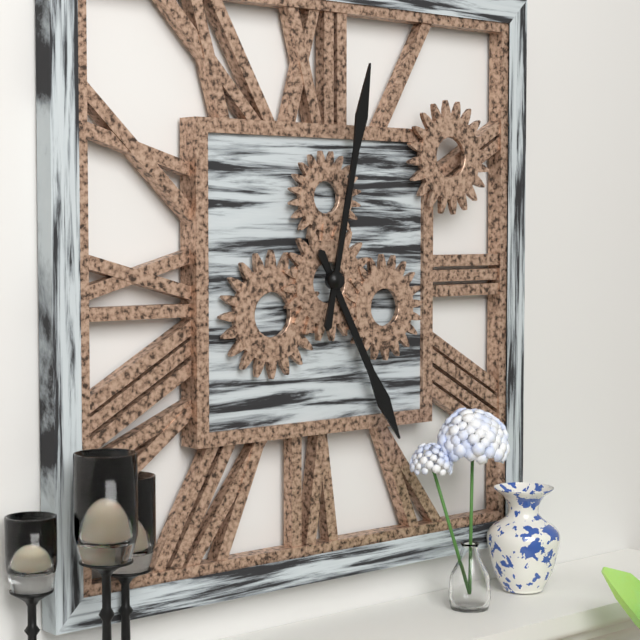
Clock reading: 5h02
